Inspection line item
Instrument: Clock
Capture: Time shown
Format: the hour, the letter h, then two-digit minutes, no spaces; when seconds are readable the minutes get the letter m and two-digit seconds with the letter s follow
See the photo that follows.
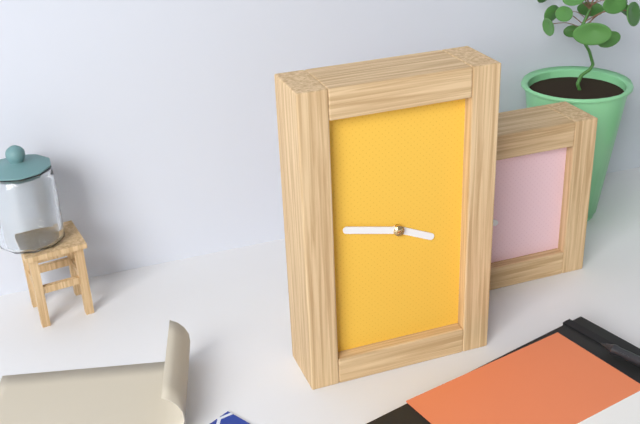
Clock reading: 3h47
